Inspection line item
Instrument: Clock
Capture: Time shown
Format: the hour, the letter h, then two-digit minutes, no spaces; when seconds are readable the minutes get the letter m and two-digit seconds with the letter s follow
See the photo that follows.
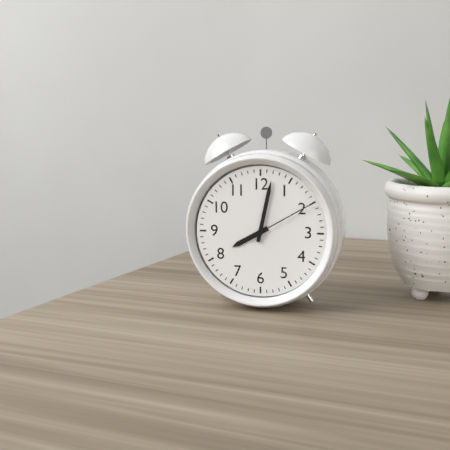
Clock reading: 8h02m10s
